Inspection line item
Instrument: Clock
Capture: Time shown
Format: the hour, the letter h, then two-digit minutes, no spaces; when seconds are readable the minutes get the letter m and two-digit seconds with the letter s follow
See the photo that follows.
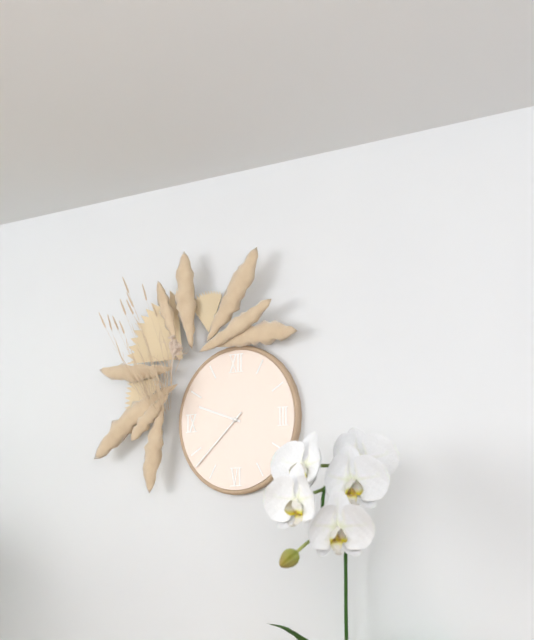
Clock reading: 9h38
